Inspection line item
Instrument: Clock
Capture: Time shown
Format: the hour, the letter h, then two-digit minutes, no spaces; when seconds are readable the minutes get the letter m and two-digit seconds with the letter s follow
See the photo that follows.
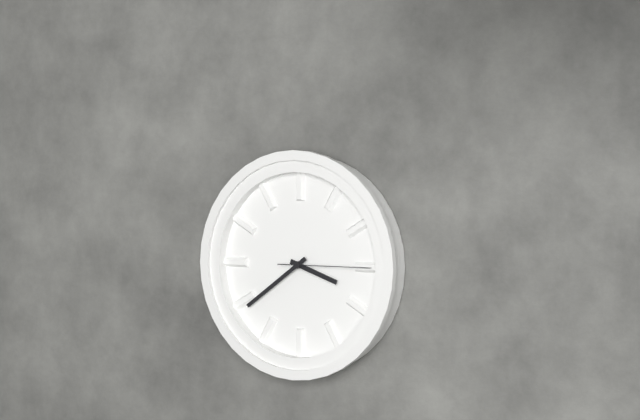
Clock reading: 3h39m15s
